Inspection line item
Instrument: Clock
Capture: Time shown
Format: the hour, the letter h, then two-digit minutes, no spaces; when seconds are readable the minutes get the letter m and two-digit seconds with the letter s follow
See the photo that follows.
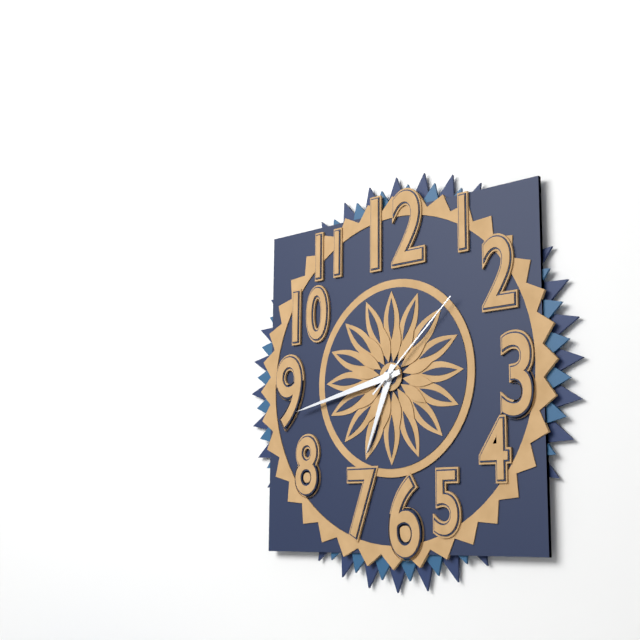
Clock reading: 6h43m08s
